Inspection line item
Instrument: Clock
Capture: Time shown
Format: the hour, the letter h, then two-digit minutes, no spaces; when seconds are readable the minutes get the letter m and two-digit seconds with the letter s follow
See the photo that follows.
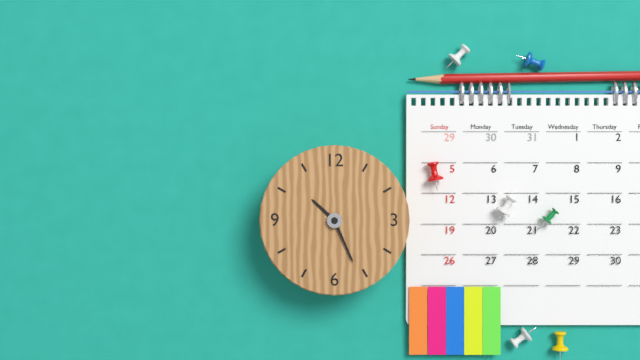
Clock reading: 10h26
